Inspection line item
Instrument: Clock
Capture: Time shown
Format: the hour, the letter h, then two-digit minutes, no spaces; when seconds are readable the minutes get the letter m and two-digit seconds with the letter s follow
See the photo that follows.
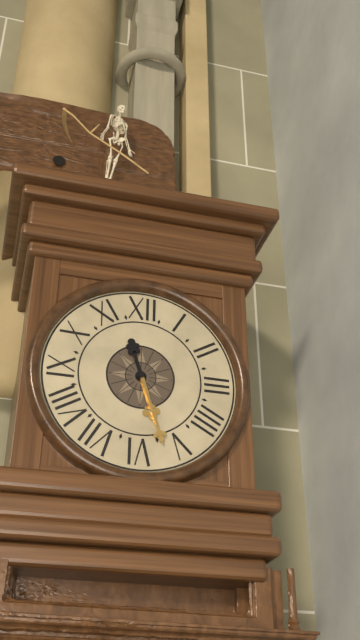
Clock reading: 5h27
